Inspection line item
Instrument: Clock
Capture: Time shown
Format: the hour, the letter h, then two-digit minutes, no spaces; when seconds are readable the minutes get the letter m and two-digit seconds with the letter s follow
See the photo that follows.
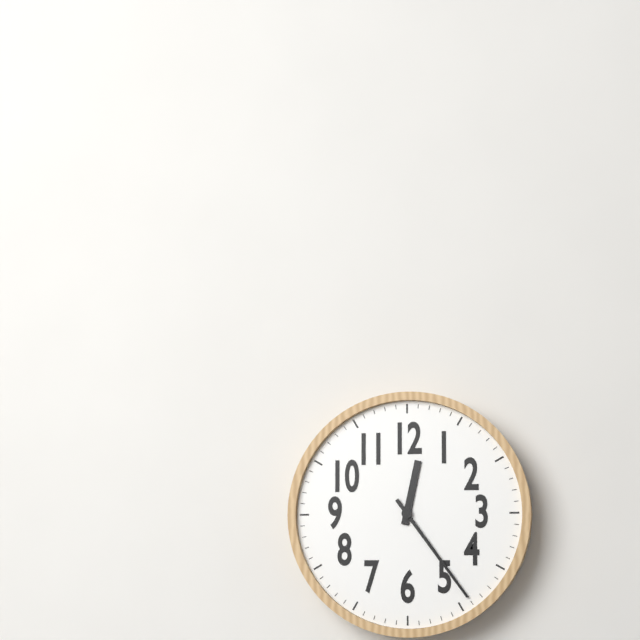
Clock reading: 12h24
